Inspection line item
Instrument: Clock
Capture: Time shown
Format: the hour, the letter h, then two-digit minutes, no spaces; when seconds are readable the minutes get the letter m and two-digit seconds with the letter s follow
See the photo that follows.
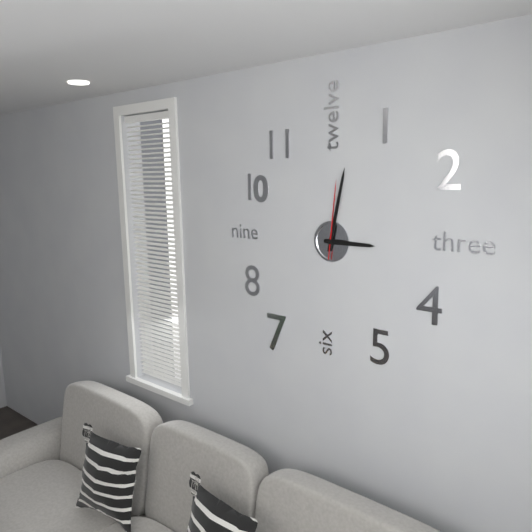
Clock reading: 3h02m01s
